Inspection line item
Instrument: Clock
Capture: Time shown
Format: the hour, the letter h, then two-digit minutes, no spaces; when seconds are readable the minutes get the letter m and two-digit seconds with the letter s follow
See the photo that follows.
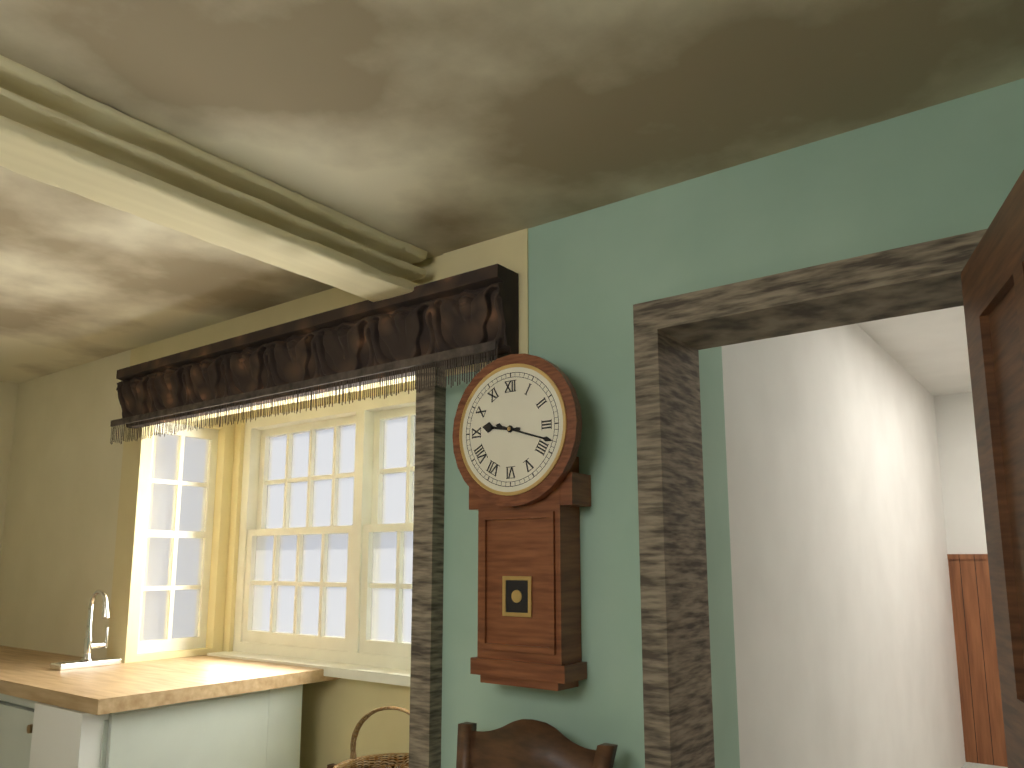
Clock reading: 9h18
